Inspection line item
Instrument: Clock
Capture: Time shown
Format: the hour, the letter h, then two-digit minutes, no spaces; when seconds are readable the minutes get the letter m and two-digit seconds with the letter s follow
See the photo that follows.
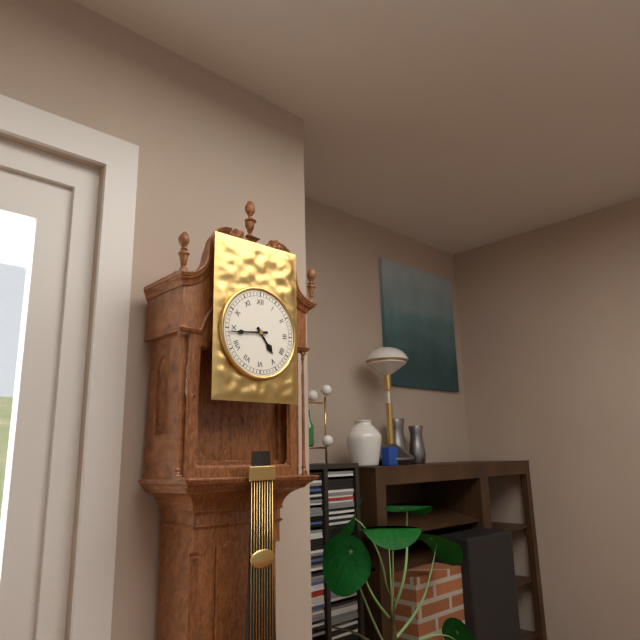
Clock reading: 4h44
